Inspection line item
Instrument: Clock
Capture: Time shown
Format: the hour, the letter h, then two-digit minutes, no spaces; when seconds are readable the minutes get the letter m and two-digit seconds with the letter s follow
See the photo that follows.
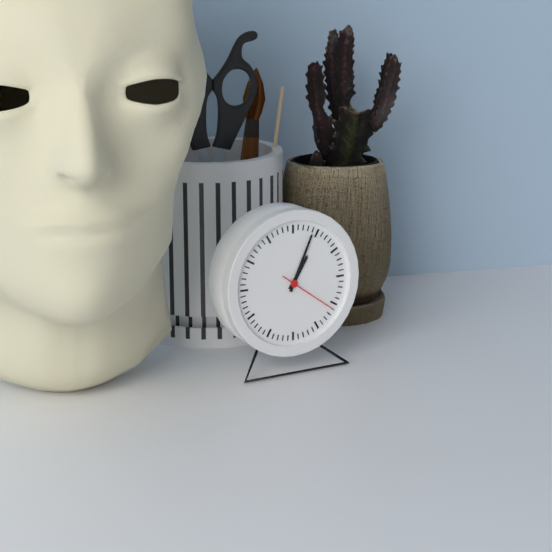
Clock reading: 1h04m21s
